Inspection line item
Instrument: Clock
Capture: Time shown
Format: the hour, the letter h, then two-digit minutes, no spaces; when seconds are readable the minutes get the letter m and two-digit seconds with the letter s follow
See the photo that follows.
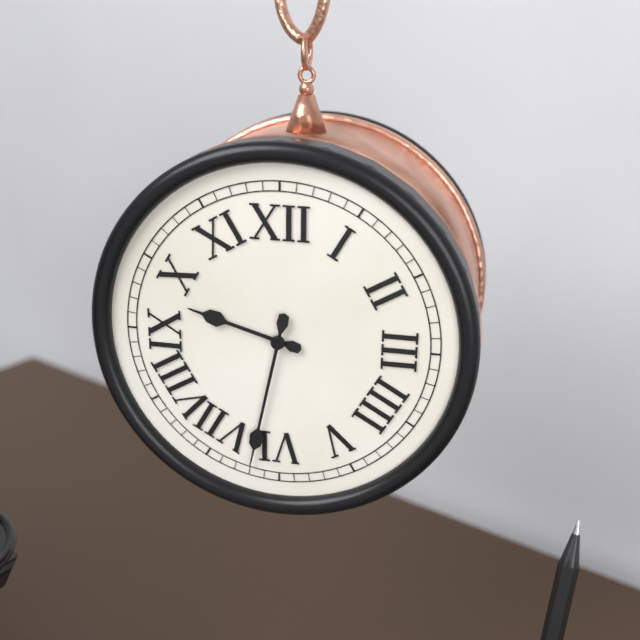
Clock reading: 9h32
